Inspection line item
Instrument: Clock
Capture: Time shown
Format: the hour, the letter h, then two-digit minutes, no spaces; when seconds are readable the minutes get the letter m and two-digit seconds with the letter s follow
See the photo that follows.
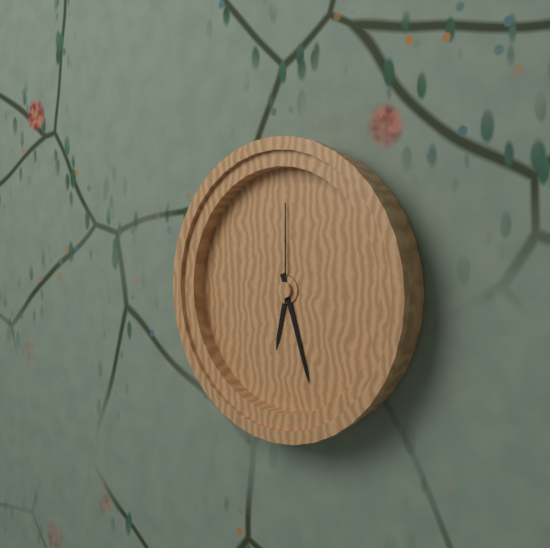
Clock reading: 6h27m00s
